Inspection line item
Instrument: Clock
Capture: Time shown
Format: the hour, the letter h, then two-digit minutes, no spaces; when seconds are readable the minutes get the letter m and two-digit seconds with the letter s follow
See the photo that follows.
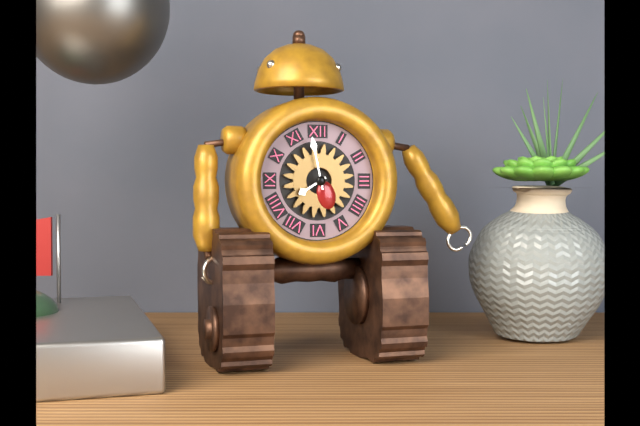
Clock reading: 7h58
